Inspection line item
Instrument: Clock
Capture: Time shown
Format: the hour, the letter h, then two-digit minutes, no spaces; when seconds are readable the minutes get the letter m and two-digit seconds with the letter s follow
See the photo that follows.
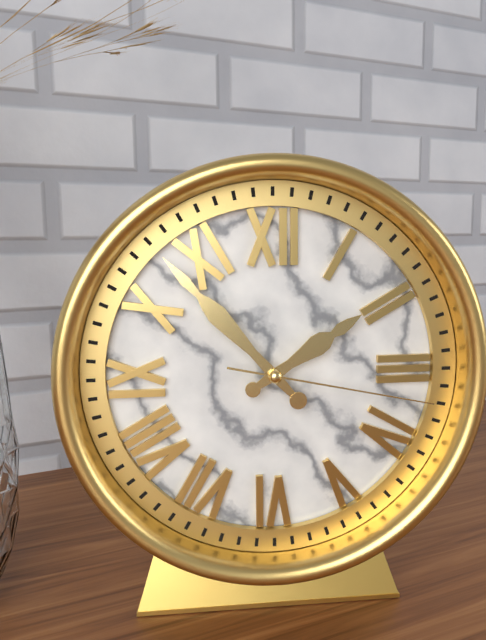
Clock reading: 1h53m17s
